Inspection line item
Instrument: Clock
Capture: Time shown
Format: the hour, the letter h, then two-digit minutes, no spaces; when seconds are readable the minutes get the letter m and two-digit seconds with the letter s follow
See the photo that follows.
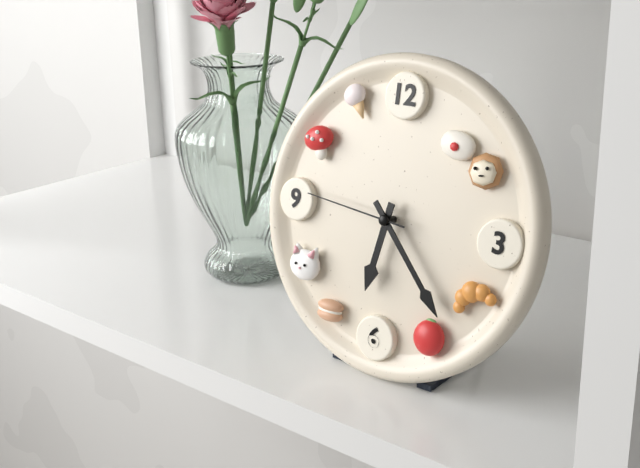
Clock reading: 6h23m46s
